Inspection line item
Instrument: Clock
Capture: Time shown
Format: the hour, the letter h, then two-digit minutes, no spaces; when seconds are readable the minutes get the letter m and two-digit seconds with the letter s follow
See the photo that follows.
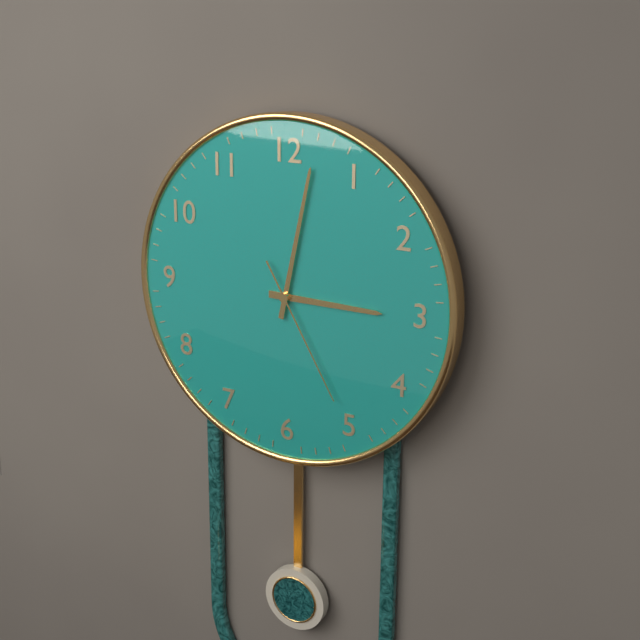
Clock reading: 3h02m25s
